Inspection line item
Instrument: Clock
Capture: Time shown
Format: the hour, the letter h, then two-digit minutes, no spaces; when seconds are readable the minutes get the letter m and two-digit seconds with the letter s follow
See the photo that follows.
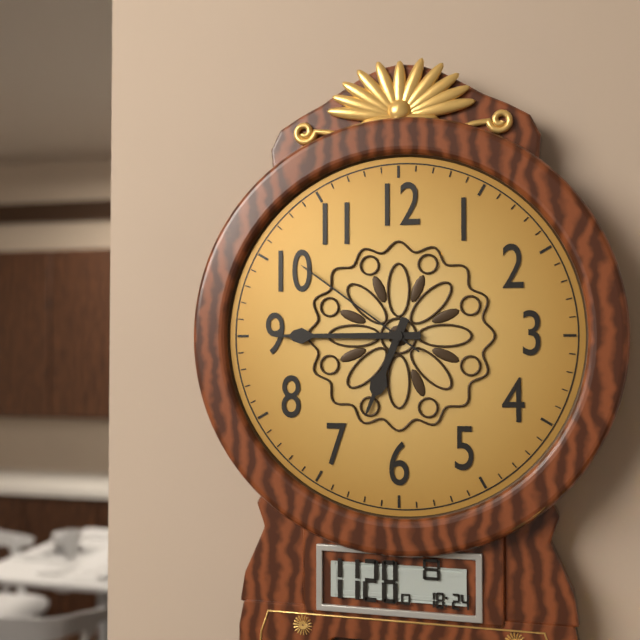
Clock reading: 6h45m51s
